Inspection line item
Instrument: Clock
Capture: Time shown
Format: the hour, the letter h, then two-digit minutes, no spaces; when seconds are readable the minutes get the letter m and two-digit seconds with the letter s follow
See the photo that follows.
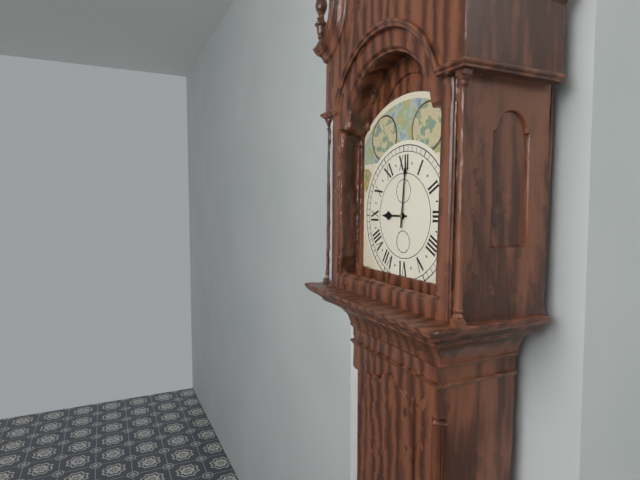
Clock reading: 9h01
